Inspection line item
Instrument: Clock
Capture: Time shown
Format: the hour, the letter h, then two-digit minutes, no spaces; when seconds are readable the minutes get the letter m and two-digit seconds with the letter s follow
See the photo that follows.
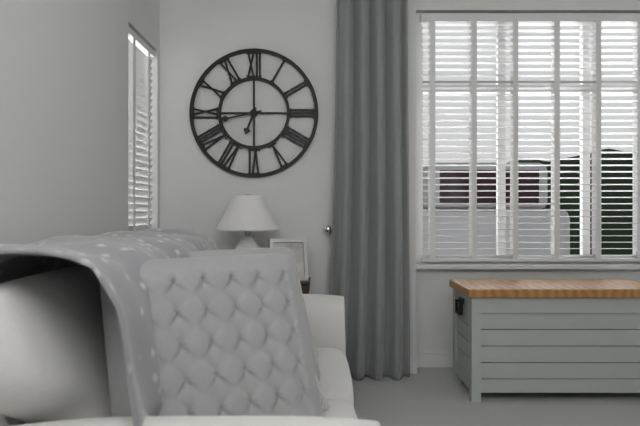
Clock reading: 6h43
